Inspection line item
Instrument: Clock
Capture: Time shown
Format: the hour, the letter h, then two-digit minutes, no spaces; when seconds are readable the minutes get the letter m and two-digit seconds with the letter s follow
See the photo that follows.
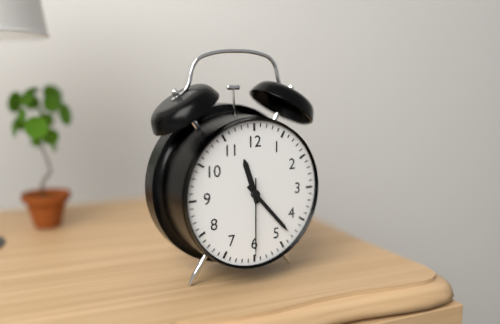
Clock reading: 11h23m30s
